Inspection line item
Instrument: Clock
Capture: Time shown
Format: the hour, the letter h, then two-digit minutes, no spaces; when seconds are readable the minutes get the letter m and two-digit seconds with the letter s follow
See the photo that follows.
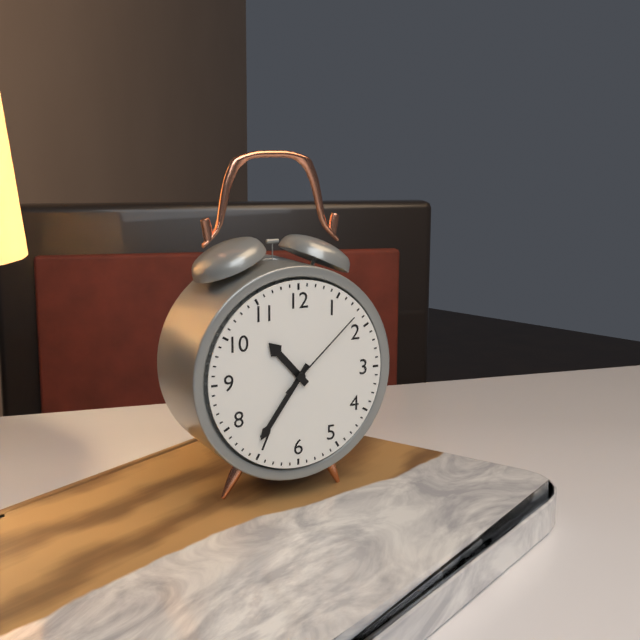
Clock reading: 10h36m08s
